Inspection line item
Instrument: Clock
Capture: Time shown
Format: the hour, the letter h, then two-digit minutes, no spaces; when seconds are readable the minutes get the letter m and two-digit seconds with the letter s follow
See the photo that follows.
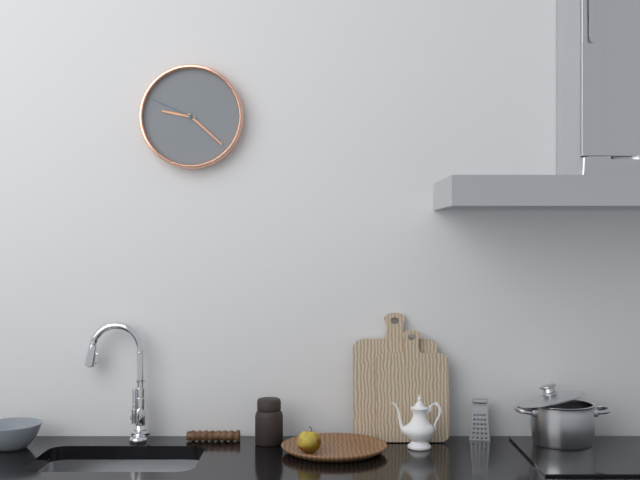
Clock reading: 9h22m49s
